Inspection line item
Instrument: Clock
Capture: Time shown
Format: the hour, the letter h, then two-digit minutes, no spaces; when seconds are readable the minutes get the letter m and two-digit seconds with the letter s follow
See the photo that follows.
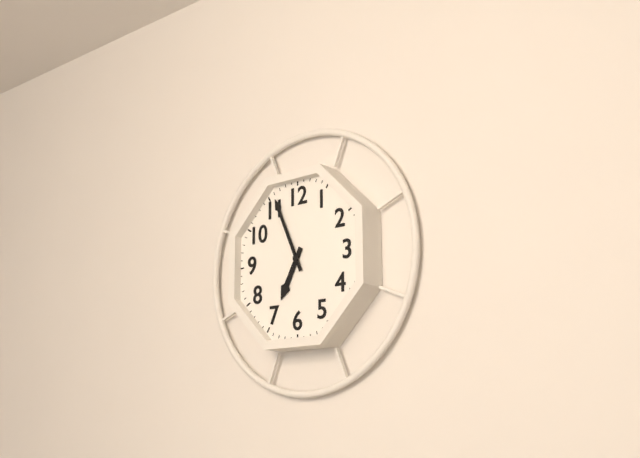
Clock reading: 6h56
